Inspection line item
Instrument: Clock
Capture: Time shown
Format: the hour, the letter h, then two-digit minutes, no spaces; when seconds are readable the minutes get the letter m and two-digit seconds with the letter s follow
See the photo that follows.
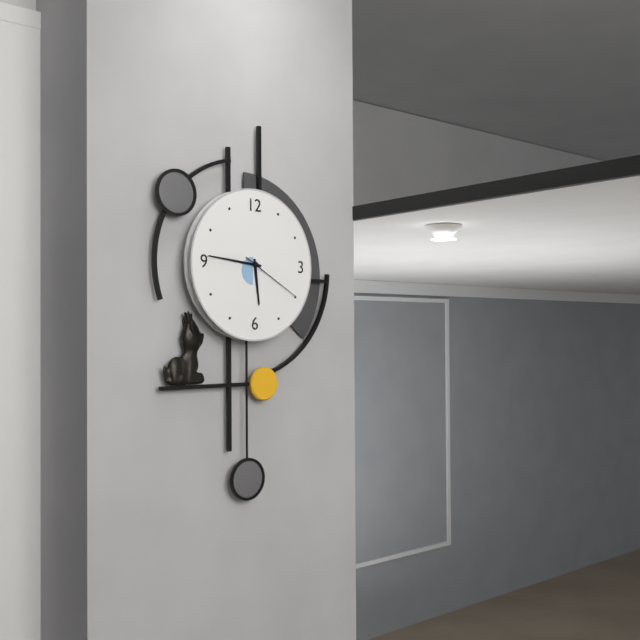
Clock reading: 5h46m20s
